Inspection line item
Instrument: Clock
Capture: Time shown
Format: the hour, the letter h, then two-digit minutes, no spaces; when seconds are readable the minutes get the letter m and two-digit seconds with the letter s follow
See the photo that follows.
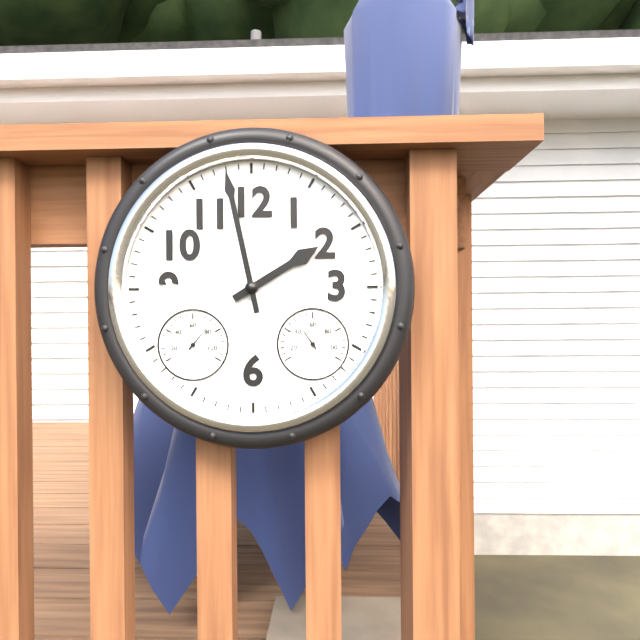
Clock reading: 1h58
